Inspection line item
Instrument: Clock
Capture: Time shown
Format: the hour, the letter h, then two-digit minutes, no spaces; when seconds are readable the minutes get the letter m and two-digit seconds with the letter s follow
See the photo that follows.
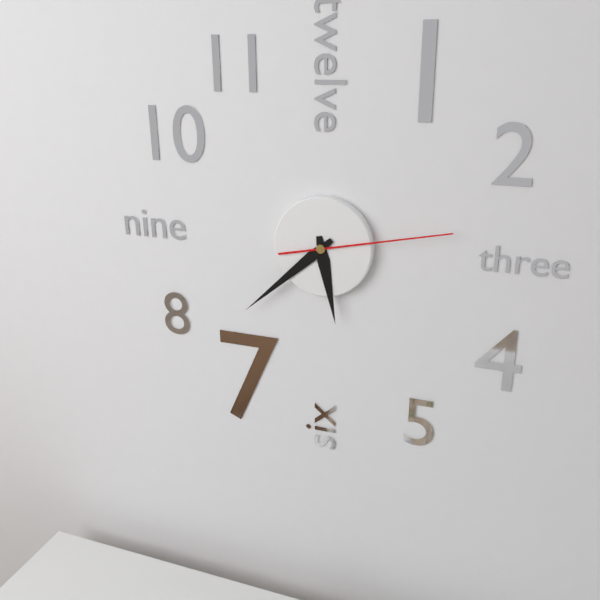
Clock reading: 5h38m13s
